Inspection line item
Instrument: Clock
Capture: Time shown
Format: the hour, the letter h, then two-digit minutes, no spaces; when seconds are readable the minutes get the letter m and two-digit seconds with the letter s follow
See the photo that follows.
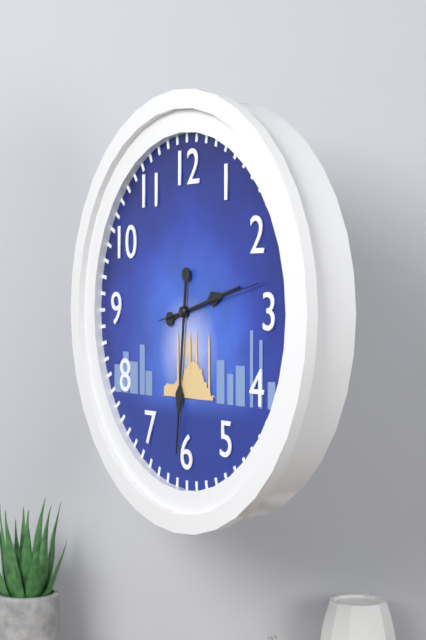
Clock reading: 2h31m13s
